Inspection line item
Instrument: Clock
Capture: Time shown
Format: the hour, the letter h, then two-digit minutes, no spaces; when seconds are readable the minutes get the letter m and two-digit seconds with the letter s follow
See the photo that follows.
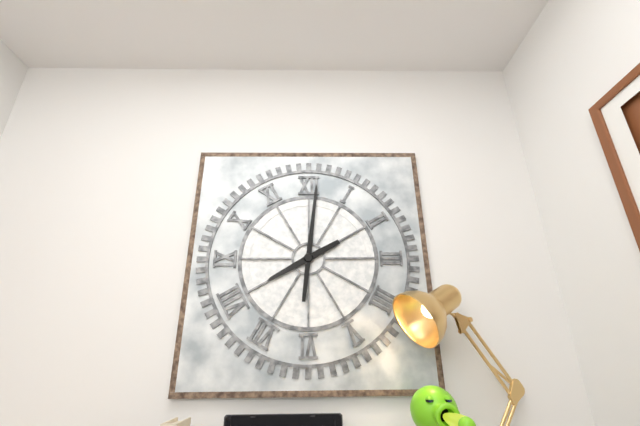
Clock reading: 8h01
